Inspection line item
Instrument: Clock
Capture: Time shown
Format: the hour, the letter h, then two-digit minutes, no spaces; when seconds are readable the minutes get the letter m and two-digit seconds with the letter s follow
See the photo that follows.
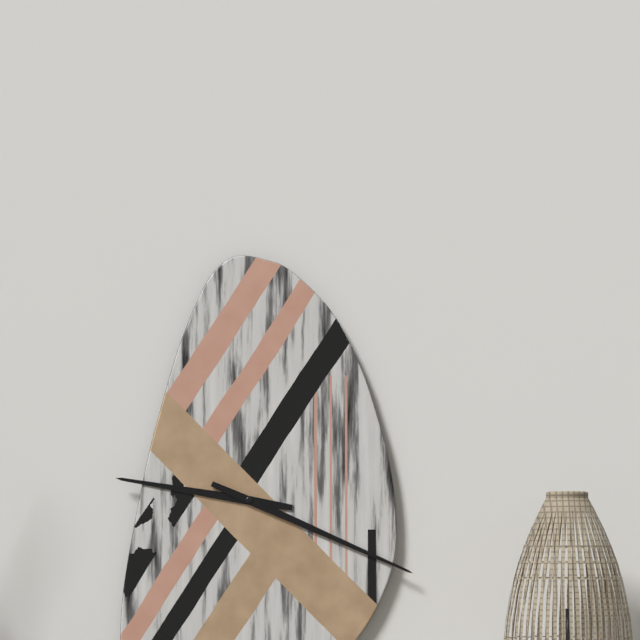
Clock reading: 9h19
